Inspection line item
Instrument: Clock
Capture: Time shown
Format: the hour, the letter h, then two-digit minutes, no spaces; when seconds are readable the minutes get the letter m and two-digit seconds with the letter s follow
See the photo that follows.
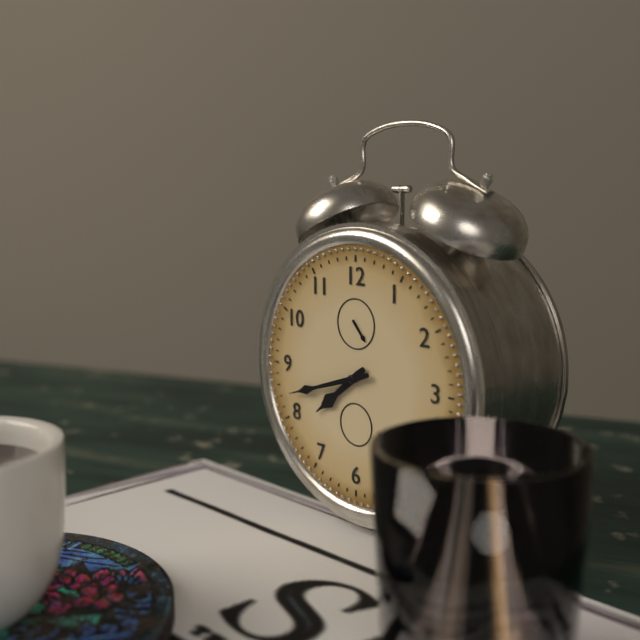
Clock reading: 7h42
